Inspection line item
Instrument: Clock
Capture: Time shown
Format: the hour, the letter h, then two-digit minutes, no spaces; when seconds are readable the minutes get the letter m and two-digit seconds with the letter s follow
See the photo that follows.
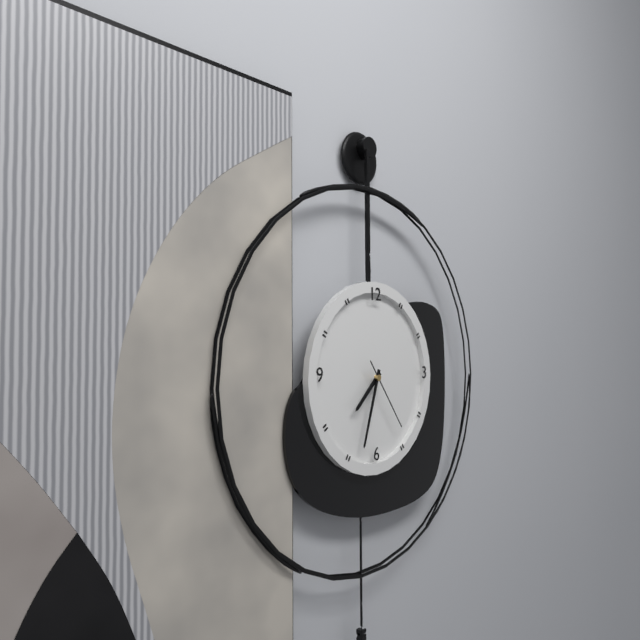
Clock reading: 7h33m24s
